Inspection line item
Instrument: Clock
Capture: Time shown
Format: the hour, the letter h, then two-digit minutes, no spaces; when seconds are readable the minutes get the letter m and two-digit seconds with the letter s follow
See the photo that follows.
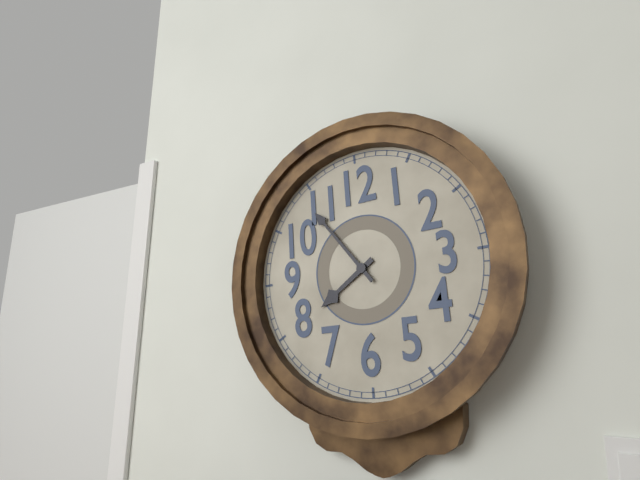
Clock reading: 7h54
